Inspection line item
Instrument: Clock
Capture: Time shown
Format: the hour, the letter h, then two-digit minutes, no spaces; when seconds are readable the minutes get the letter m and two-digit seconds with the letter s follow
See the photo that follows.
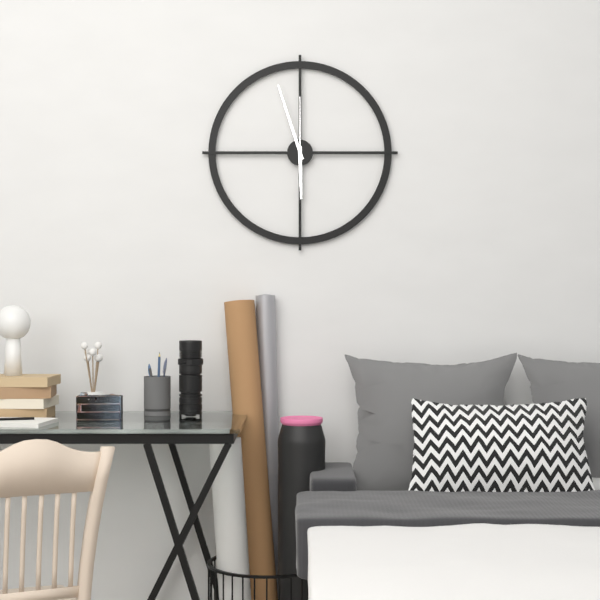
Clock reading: 5h57m00s
